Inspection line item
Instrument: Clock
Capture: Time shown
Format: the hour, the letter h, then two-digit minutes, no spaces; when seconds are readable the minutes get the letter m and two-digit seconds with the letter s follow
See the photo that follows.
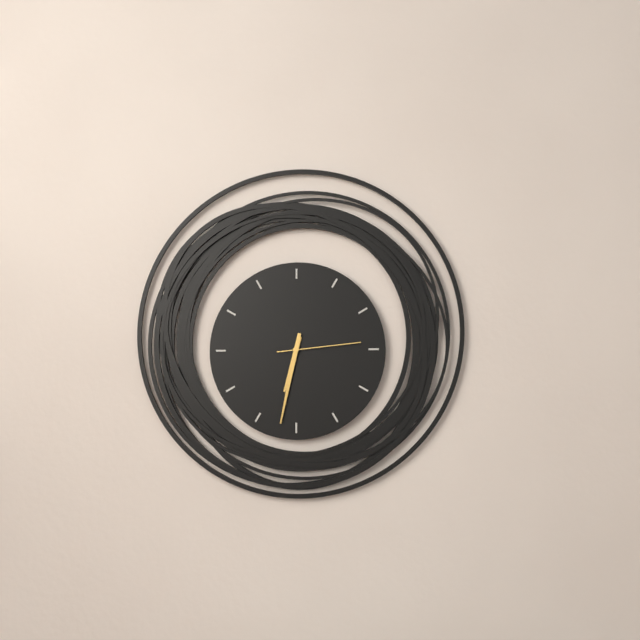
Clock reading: 6h32m14s
